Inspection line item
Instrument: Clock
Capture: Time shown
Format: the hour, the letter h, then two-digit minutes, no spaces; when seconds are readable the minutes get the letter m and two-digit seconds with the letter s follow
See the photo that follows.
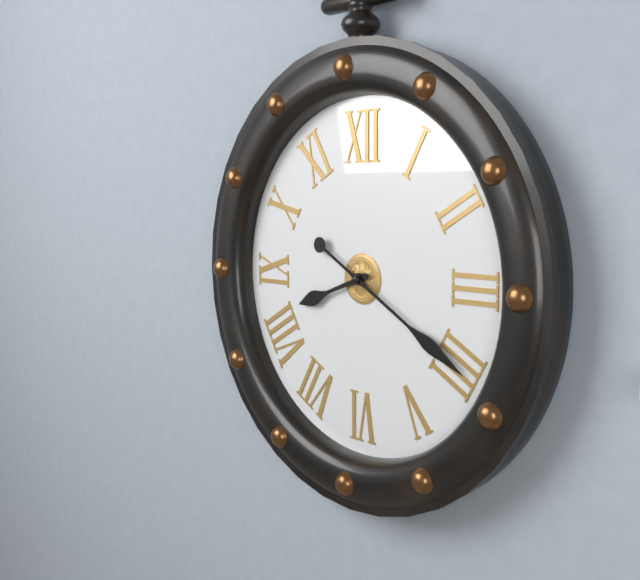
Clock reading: 8h20
